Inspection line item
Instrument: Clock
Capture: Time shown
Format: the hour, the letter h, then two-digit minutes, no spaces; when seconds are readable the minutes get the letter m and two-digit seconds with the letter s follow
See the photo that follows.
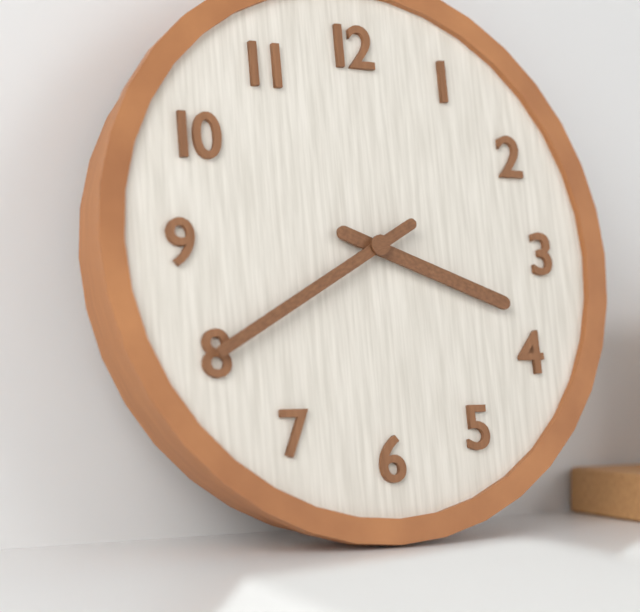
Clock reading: 3h40
